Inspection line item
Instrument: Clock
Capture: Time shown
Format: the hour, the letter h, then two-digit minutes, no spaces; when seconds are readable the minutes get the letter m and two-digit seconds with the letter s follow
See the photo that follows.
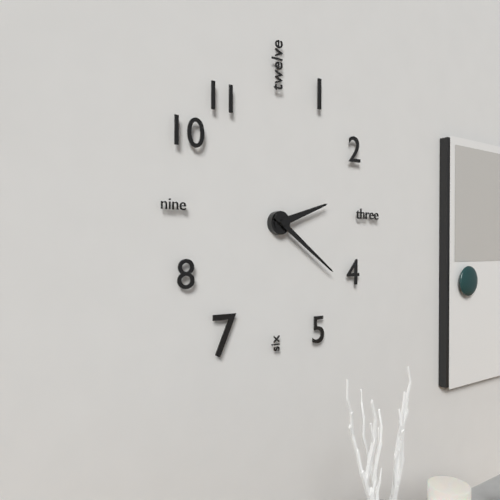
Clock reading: 2h21
